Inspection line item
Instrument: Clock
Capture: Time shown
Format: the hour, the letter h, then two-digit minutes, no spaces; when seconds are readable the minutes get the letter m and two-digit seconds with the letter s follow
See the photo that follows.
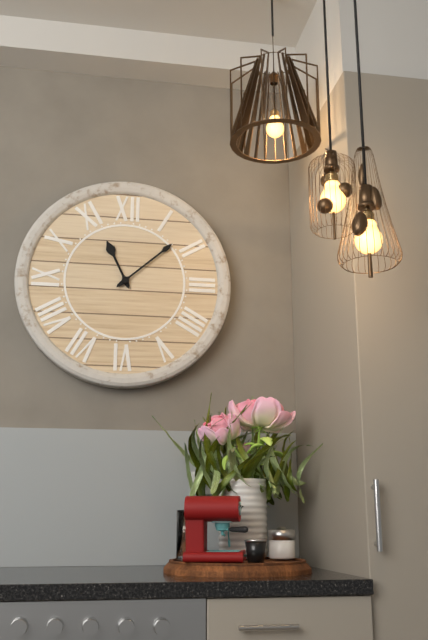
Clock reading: 11h08
